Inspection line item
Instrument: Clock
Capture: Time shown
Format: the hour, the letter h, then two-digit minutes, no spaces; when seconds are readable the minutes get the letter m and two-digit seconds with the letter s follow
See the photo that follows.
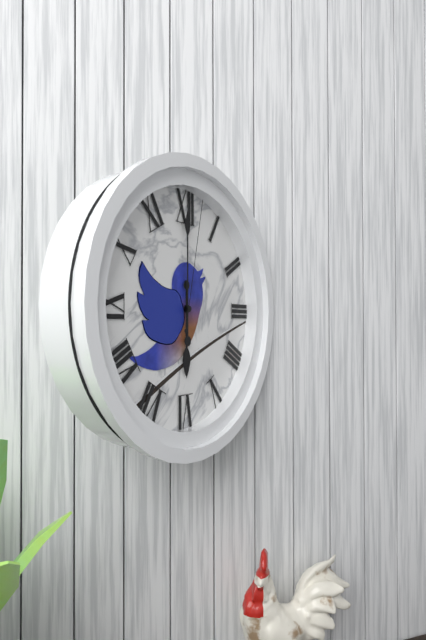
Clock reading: 6h00m02s
